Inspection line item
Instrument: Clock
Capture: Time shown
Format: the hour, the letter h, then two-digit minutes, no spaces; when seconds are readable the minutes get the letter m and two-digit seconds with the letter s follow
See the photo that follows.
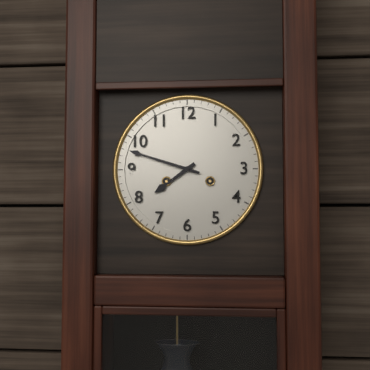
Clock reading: 7h48
